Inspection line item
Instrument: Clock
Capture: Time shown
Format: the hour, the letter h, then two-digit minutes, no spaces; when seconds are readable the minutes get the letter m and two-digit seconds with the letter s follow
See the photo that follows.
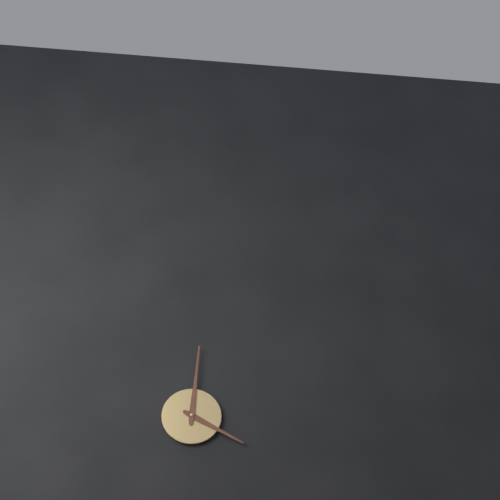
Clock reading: 4h01
